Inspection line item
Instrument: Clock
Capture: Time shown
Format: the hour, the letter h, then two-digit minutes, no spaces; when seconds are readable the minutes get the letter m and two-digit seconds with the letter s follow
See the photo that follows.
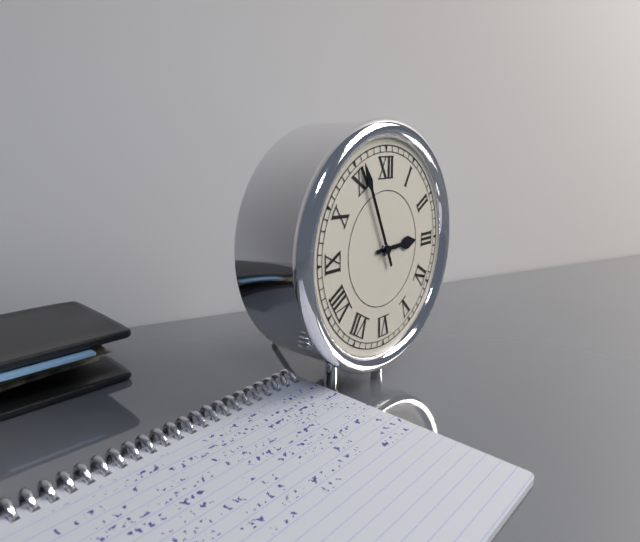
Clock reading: 2h56
